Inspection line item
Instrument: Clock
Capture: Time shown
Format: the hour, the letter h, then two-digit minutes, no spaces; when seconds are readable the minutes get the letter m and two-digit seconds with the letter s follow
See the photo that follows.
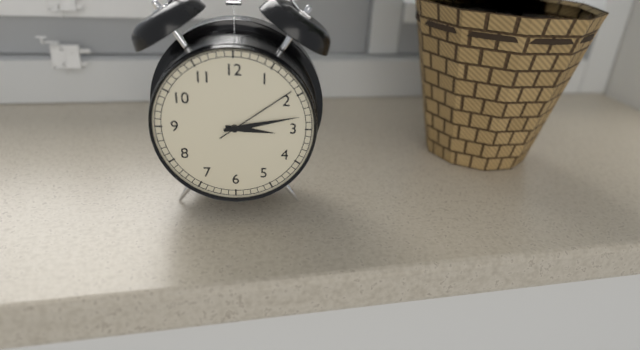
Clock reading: 3h13m09s
